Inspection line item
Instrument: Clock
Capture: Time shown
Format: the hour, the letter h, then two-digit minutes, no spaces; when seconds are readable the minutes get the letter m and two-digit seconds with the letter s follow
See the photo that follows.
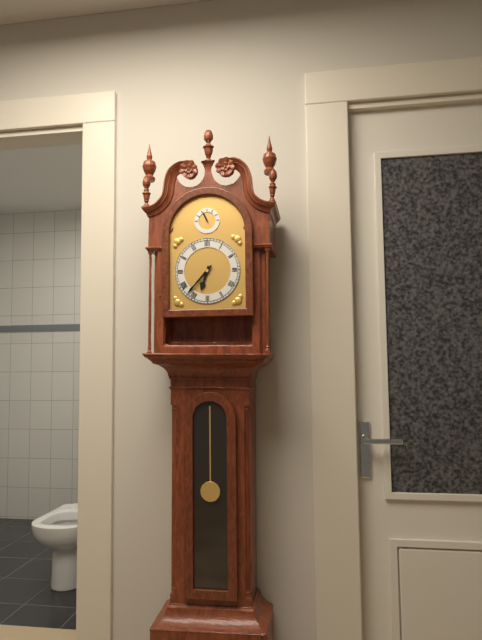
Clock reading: 6h37
